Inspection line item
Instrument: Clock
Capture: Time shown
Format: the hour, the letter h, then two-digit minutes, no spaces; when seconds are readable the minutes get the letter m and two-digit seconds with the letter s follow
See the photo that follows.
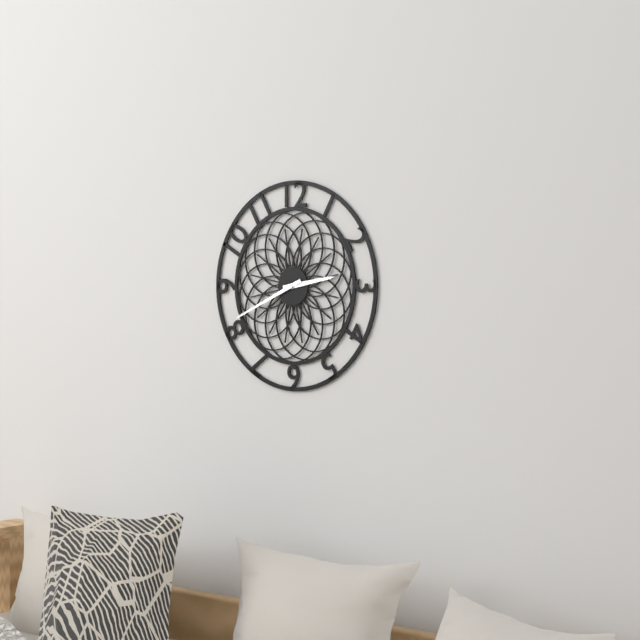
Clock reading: 2h41
